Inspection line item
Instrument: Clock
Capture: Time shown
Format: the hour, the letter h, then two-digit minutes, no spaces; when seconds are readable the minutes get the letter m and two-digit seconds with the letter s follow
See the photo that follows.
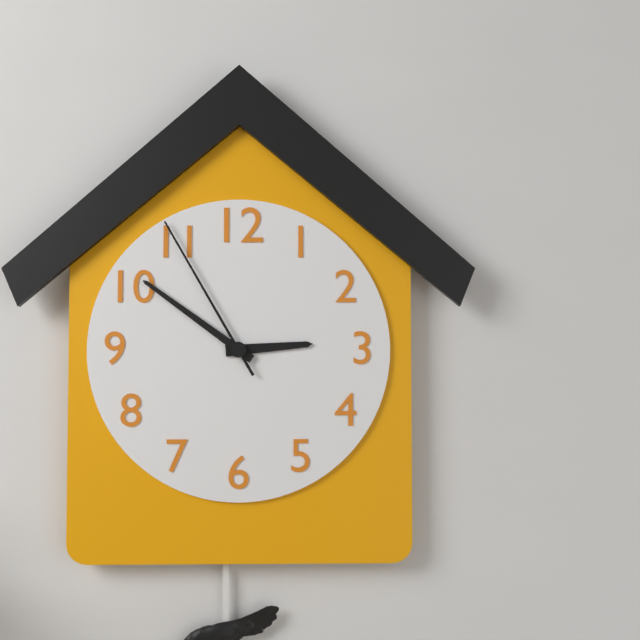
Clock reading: 2h51m55s
